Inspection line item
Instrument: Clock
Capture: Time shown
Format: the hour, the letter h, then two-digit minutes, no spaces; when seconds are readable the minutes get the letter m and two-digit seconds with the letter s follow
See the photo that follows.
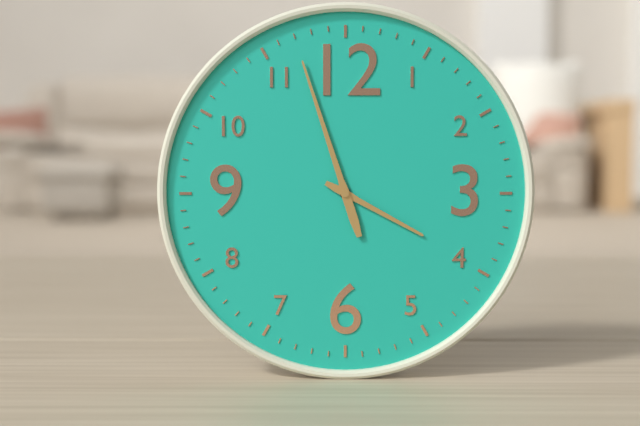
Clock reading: 3h57
